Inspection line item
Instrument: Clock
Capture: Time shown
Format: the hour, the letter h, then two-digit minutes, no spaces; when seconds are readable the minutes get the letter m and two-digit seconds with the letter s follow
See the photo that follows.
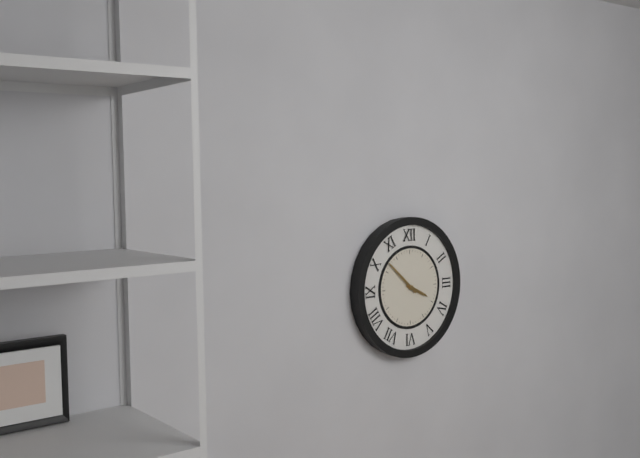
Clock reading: 3h52
